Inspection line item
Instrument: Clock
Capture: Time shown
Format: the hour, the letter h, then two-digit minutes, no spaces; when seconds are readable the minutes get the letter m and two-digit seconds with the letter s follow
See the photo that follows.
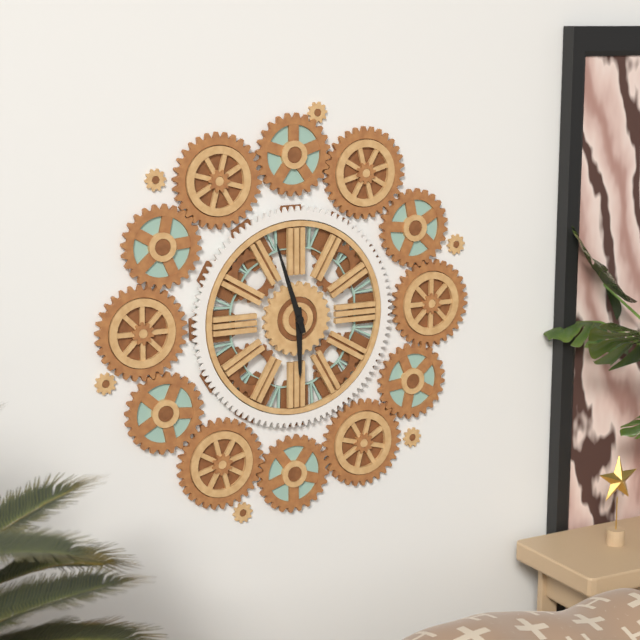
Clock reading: 5h57
